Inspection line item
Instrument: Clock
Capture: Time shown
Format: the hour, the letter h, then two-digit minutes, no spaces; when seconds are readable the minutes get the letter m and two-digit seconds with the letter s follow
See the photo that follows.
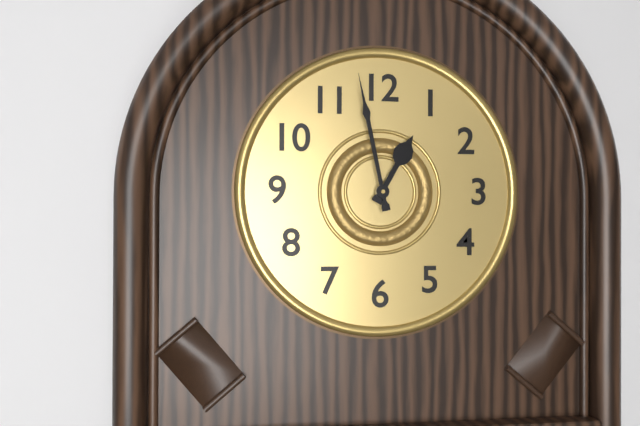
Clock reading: 12h58
